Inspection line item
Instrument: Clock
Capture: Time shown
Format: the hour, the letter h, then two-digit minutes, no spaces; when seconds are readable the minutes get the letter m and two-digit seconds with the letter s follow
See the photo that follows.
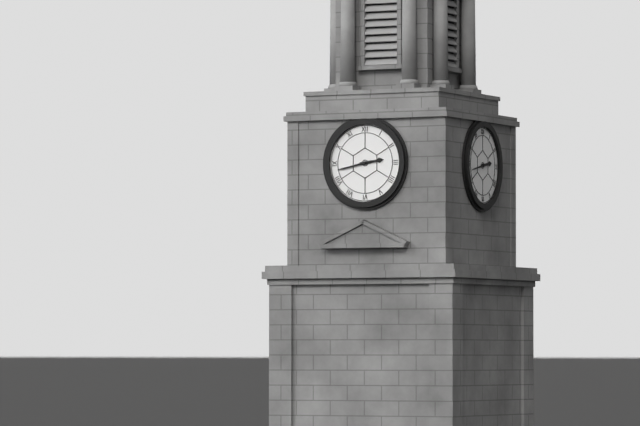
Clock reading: 2h43
